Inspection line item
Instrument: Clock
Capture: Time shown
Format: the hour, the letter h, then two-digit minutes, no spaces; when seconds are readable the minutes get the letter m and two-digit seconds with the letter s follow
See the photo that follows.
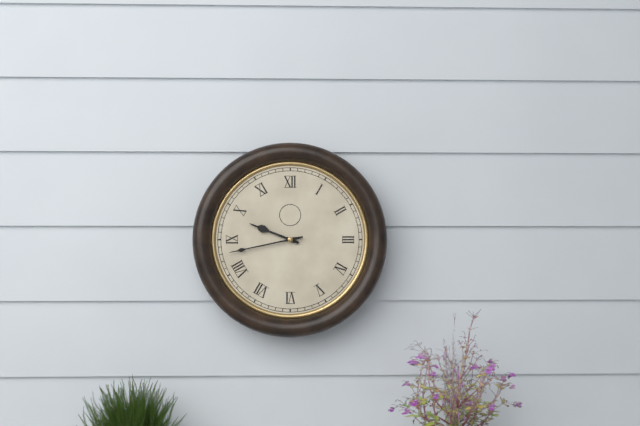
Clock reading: 9h43
